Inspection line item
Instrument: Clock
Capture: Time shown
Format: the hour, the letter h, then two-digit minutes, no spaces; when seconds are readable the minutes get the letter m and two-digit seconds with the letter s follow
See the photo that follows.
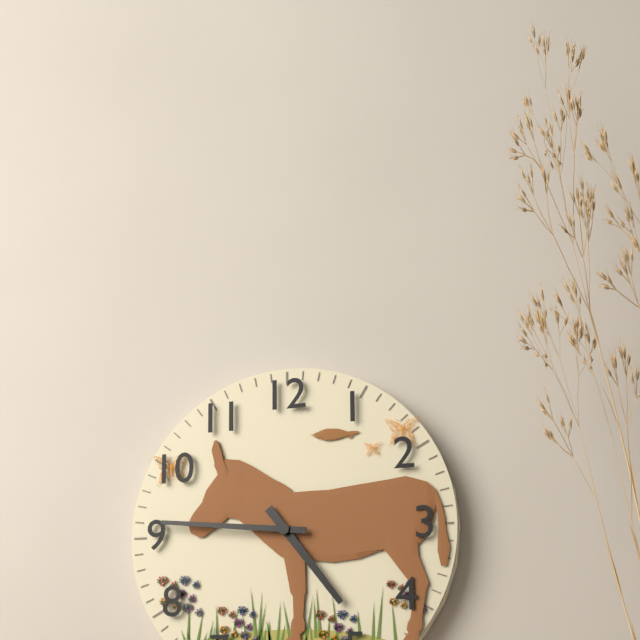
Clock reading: 4h46
